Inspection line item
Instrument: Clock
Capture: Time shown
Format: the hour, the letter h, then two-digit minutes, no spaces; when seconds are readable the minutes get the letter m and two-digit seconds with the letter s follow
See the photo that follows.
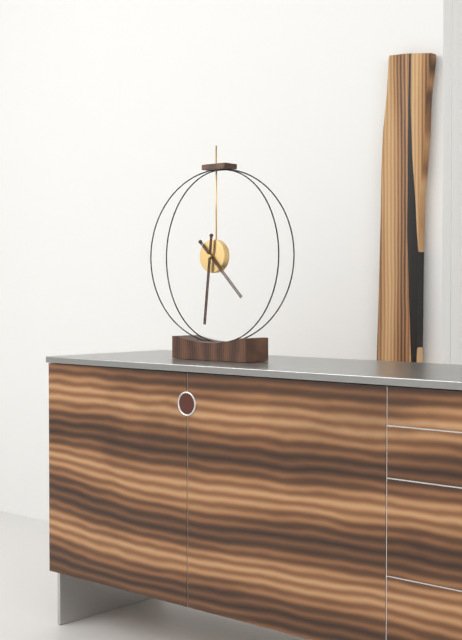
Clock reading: 4h31
